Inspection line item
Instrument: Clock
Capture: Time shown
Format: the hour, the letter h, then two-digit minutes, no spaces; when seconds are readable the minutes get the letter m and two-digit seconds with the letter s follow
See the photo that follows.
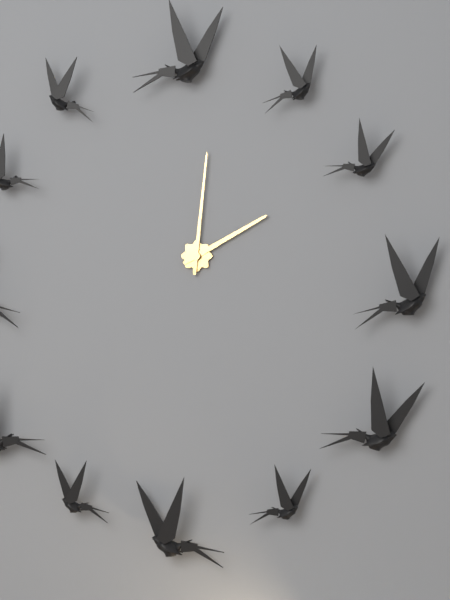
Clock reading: 2h01
